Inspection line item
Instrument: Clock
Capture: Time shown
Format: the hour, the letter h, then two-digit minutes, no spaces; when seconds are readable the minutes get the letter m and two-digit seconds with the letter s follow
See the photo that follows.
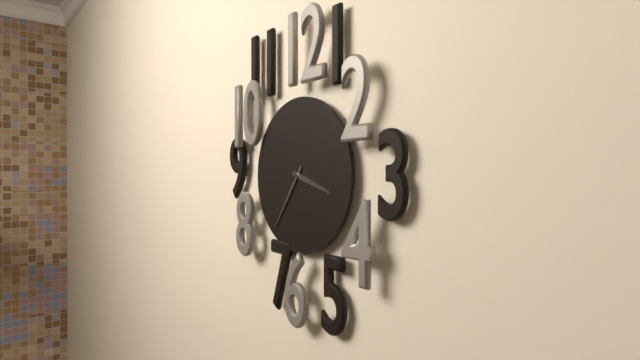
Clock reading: 3h36
